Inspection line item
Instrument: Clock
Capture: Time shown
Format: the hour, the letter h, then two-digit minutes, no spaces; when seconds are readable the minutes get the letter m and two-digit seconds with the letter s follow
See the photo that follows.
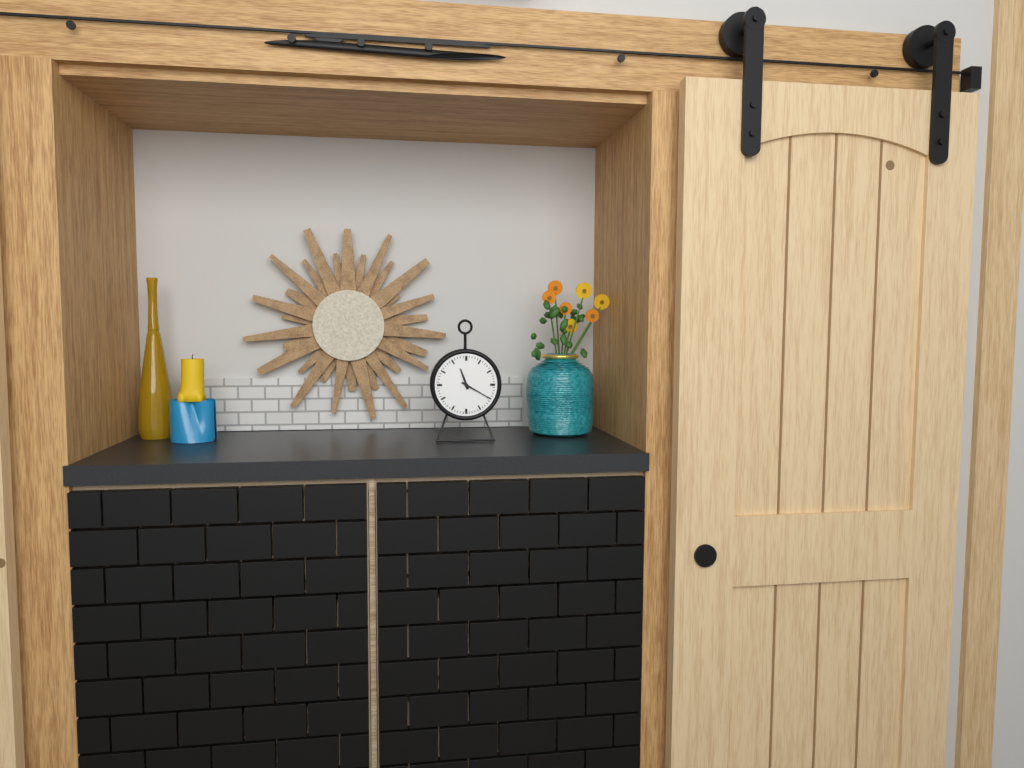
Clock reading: 11h20
